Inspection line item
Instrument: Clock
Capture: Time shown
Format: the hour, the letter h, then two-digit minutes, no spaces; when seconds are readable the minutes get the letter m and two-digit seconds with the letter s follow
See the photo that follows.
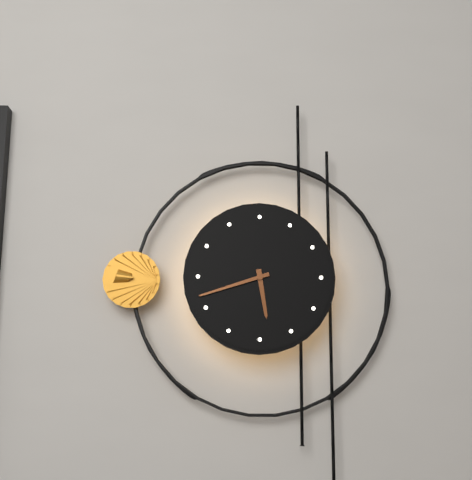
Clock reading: 5h42
